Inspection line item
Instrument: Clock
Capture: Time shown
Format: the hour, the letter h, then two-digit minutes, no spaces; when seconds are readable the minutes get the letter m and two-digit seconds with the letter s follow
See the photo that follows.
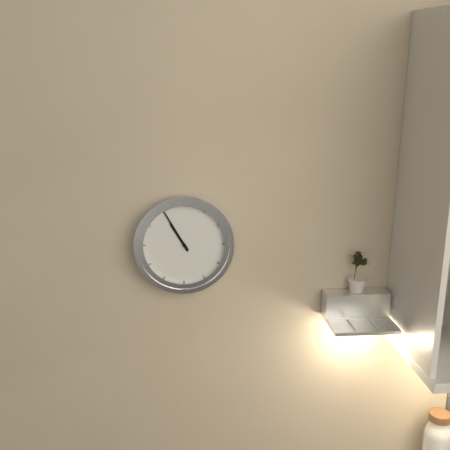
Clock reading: 10h55
